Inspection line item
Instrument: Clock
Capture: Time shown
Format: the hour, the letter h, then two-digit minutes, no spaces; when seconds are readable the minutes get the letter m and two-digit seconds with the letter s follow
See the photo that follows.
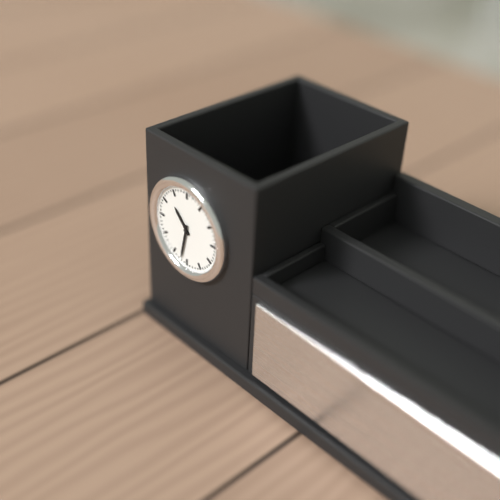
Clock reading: 10h32
